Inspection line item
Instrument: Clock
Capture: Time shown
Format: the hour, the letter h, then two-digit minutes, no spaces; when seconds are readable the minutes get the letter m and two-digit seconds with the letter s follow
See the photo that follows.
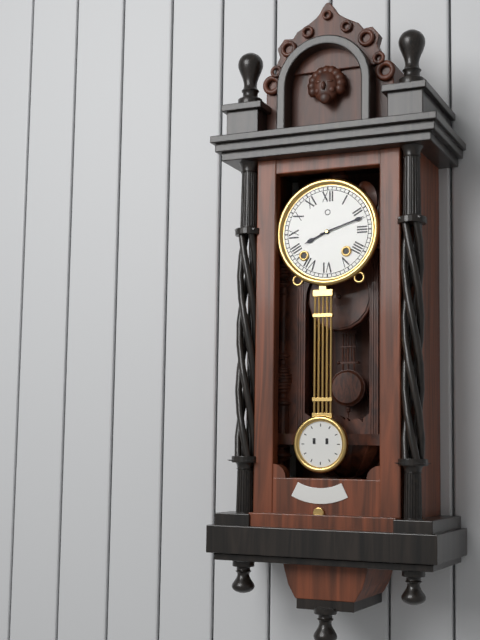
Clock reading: 8h12
